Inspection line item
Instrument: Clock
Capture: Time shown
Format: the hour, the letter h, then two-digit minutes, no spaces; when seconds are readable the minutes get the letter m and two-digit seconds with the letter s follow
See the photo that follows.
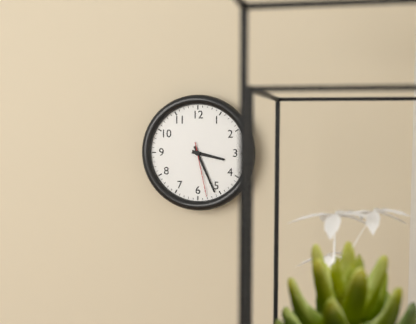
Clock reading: 3h26m28s
